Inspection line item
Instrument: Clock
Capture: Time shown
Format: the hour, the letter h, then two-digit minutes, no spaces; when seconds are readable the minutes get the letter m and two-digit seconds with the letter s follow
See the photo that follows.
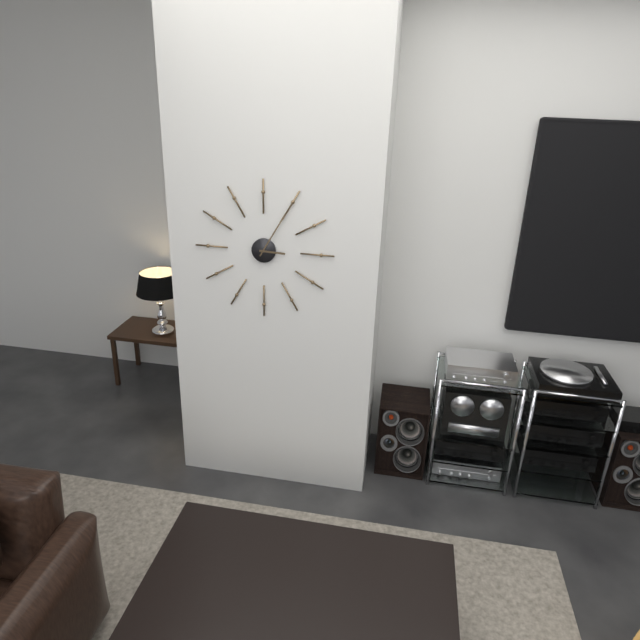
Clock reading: 3h05
